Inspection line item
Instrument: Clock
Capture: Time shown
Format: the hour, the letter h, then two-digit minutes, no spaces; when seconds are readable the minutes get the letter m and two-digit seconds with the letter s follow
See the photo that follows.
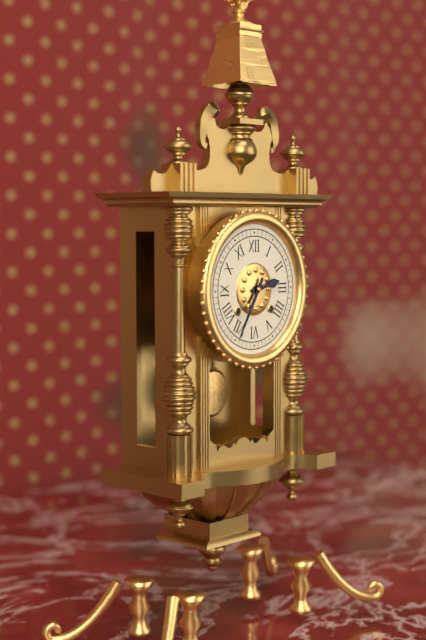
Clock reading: 2h35
